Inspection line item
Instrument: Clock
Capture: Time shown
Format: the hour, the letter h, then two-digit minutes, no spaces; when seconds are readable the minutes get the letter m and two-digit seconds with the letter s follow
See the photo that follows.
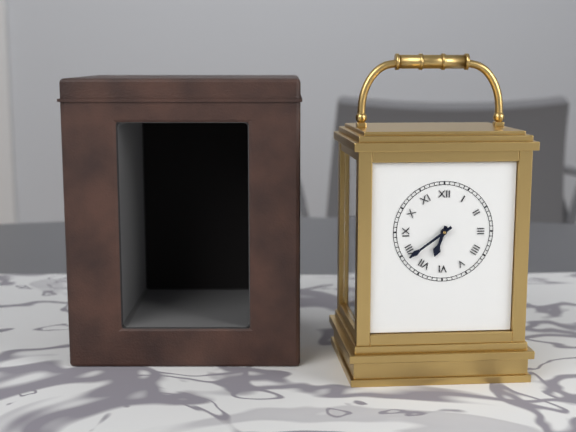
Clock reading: 6h39
